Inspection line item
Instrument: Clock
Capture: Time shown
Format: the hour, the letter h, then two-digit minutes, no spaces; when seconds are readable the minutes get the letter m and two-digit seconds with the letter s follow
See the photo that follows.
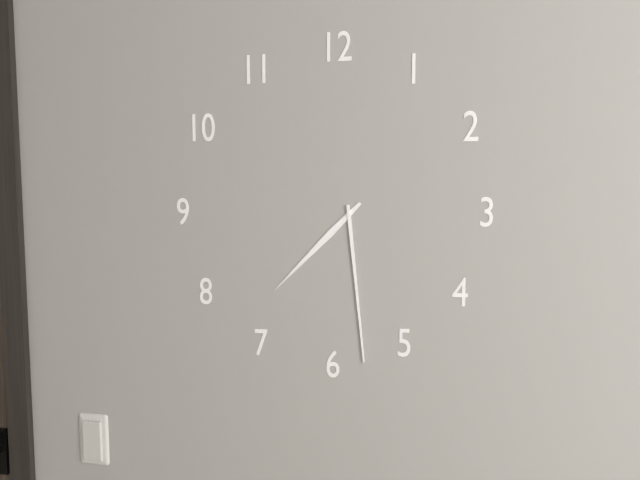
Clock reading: 7h29
